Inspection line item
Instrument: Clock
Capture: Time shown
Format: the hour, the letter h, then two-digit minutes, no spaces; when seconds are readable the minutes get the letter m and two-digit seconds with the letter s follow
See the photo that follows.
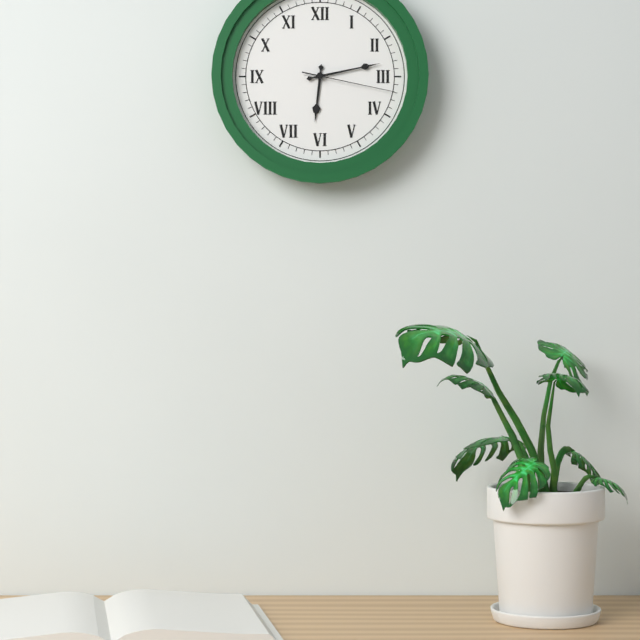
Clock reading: 6h13m17s
